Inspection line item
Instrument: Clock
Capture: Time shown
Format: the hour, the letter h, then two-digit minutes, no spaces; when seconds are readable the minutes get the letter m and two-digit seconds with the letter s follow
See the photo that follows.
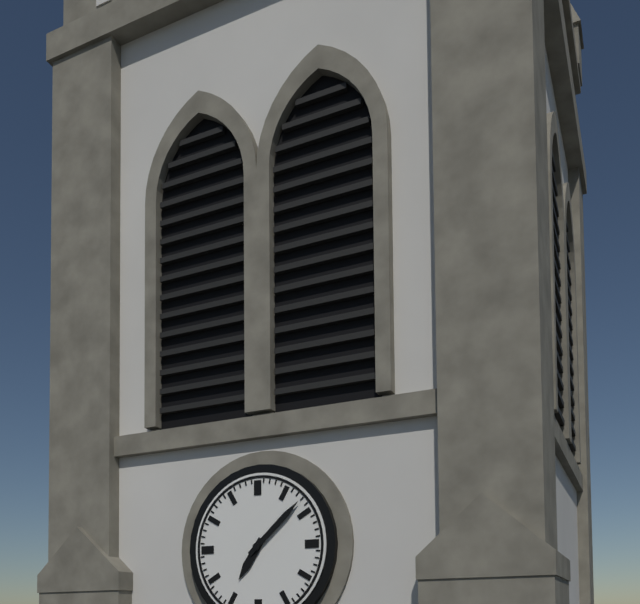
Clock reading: 7h08
